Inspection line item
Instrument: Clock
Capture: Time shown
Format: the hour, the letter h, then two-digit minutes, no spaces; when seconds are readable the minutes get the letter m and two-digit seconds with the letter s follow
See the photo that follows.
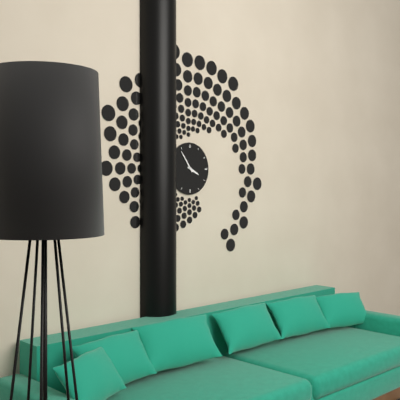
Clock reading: 3h54
